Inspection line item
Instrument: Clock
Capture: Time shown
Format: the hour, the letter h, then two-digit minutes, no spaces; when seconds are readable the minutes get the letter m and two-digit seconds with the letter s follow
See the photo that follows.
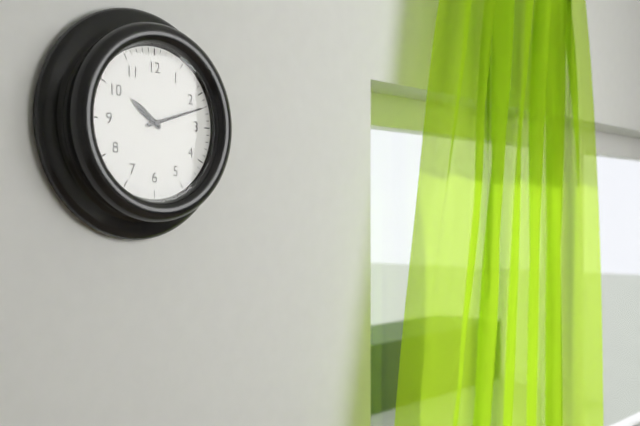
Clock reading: 10h12
